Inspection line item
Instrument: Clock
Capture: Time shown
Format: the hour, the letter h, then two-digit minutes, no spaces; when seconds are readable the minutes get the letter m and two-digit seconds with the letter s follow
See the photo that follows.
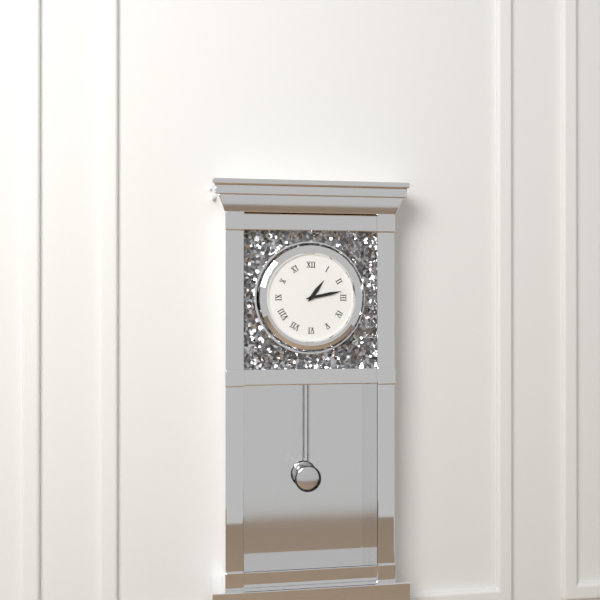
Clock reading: 1h13
